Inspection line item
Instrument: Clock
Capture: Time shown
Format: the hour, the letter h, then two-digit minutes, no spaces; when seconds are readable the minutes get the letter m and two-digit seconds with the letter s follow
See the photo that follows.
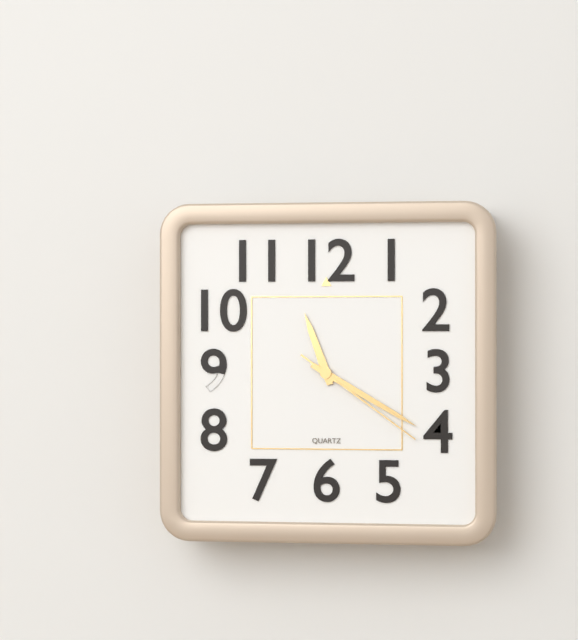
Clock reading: 11h20m21s
